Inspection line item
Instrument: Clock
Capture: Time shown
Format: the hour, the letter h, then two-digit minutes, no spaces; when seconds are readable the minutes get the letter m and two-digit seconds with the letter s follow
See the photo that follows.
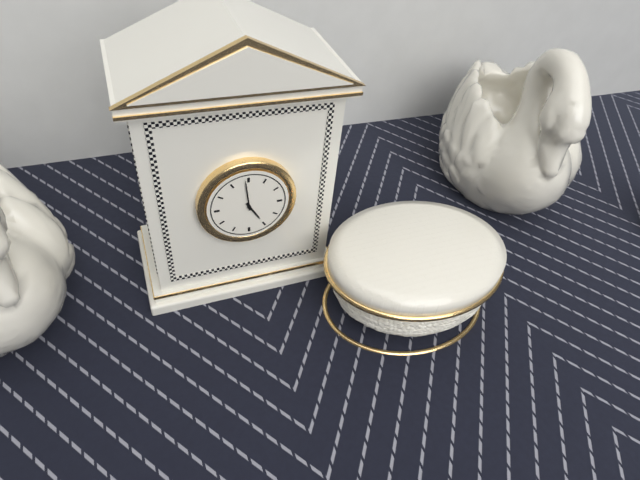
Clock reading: 4h59
